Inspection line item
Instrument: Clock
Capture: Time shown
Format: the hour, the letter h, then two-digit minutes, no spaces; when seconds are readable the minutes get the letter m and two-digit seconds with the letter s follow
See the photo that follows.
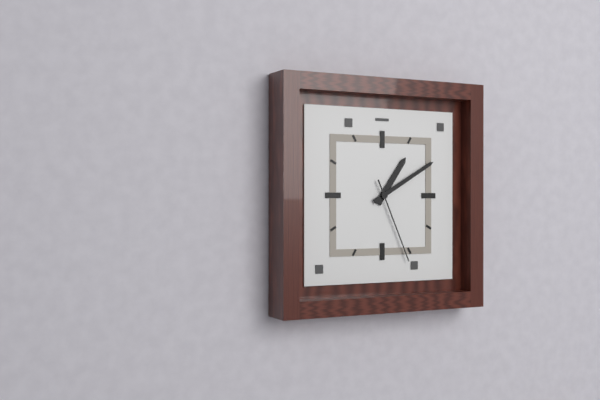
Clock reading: 1h10m26s
